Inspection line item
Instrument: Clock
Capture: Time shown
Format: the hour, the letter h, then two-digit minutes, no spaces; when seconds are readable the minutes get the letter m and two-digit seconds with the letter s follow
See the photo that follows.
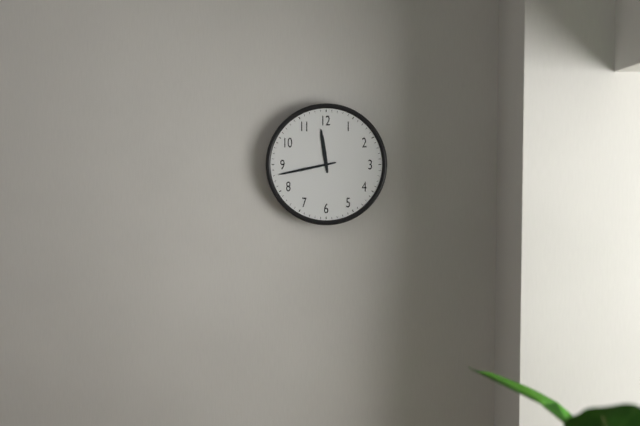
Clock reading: 11h43
